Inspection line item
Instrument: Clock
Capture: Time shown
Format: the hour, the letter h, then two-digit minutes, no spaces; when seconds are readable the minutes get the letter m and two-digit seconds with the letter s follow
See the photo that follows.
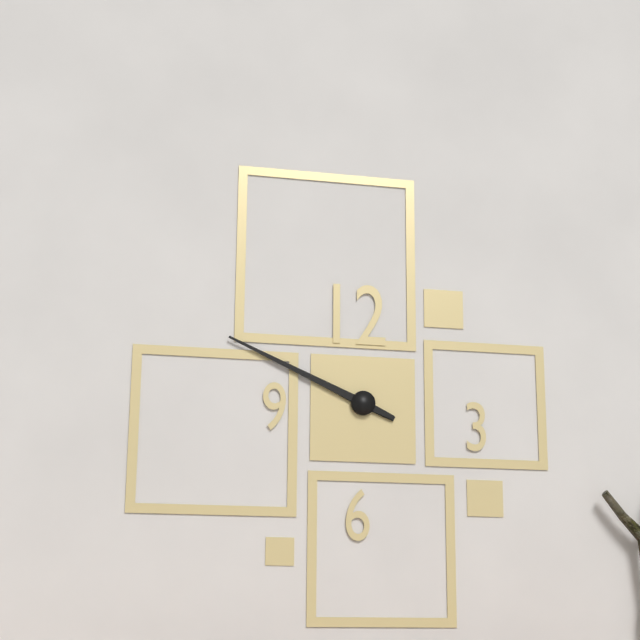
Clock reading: 9h49
